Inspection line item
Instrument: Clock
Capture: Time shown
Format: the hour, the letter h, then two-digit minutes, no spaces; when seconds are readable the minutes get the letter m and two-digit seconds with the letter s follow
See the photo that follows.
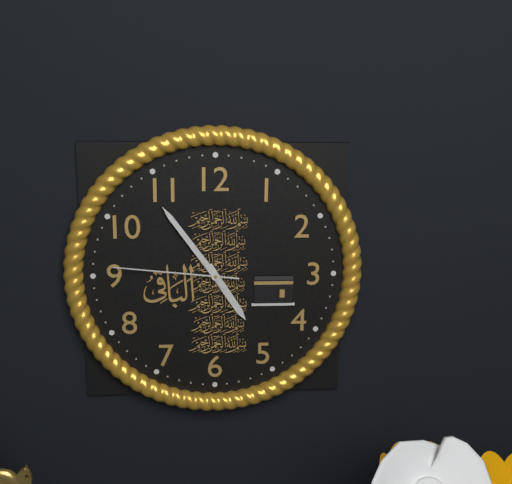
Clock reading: 4h54m46s
